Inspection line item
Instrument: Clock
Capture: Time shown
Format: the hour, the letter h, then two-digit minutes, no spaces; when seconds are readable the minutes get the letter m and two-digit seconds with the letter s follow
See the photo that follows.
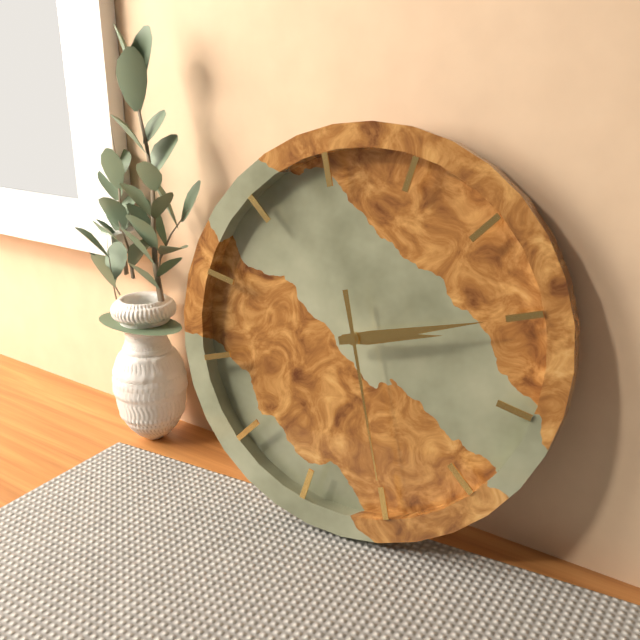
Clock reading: 2h10m25s
